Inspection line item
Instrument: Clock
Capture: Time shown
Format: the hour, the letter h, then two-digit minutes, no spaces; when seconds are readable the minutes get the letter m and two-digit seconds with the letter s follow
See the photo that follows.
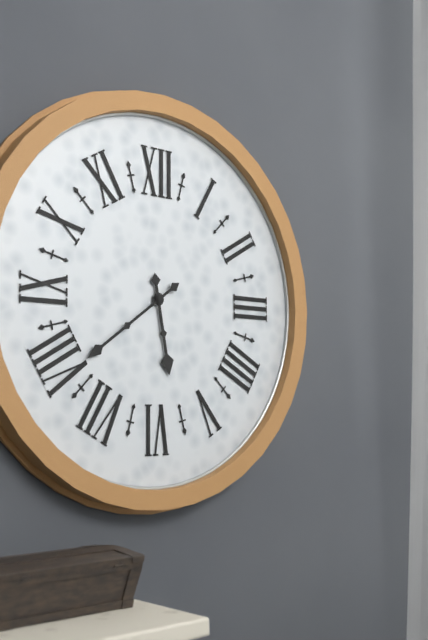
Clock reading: 5h39
